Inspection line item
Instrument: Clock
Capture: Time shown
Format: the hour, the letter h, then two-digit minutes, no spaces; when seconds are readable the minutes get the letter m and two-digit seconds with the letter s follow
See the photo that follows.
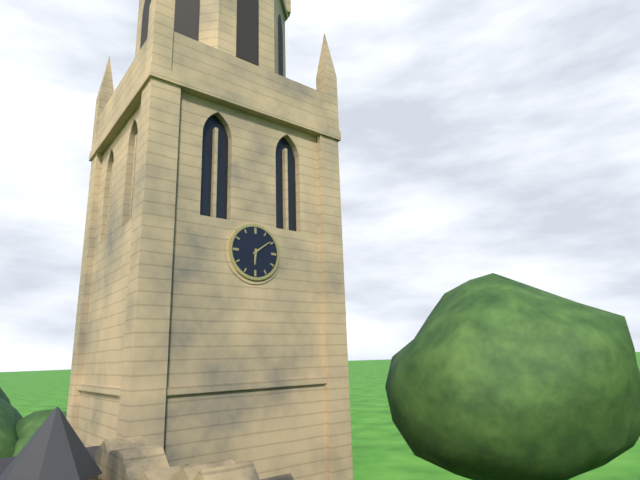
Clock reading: 6h09
